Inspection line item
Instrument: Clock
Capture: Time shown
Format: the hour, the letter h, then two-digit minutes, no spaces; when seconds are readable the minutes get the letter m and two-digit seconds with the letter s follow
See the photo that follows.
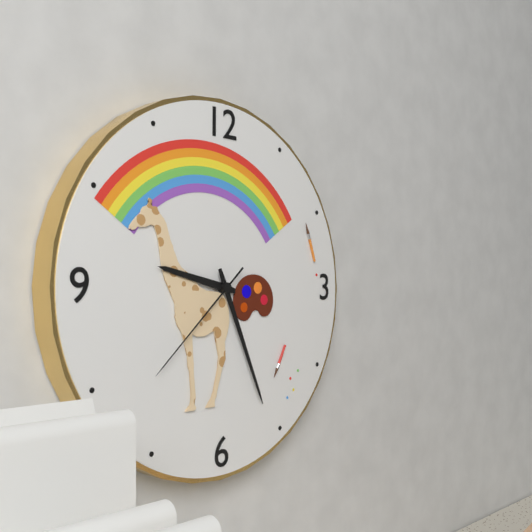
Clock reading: 9h26m38s
